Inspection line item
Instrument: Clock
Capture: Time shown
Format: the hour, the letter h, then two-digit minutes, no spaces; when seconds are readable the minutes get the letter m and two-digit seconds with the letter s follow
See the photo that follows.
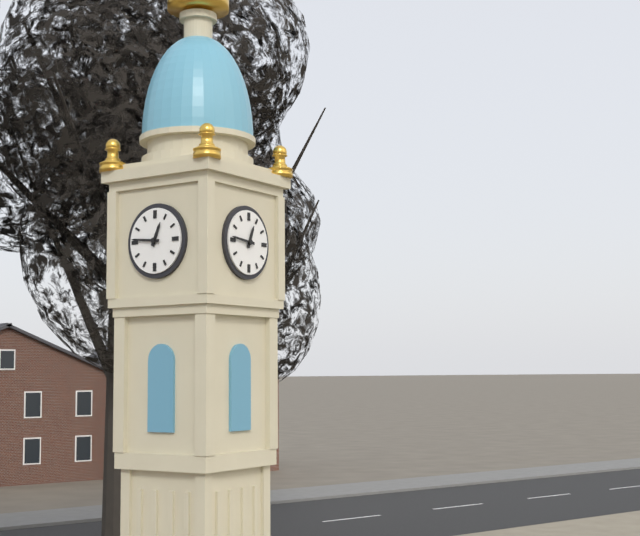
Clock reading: 12h46
